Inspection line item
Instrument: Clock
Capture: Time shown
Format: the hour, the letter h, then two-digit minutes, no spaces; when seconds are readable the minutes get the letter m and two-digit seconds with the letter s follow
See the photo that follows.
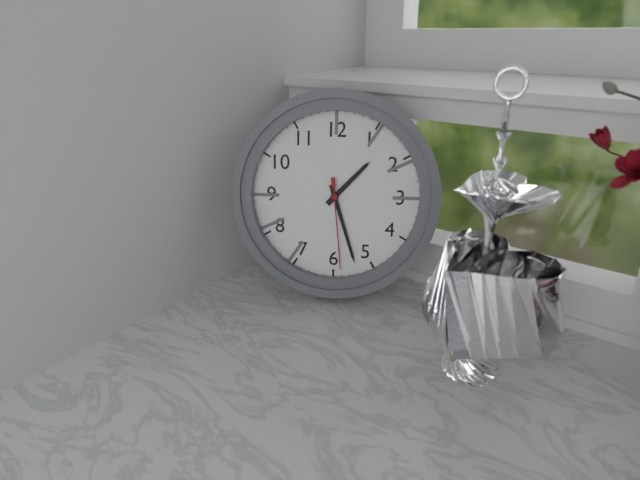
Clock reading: 1h27m29s
